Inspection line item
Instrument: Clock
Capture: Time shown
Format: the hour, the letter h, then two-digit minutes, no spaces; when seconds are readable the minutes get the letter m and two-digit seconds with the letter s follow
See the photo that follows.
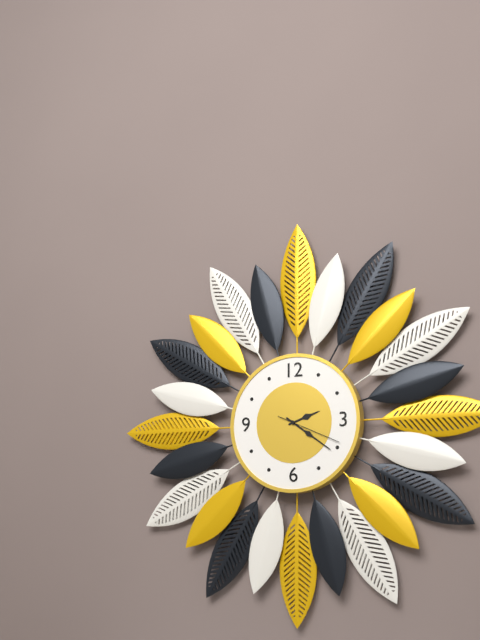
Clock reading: 2h21m19s
